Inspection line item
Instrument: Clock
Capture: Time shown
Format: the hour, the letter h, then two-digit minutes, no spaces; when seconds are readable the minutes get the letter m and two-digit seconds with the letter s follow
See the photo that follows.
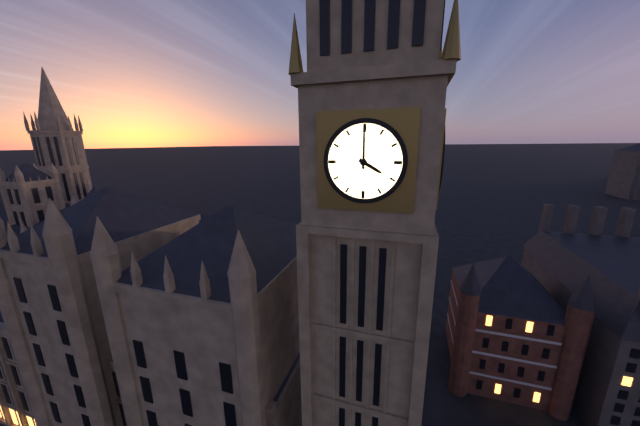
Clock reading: 4h00
